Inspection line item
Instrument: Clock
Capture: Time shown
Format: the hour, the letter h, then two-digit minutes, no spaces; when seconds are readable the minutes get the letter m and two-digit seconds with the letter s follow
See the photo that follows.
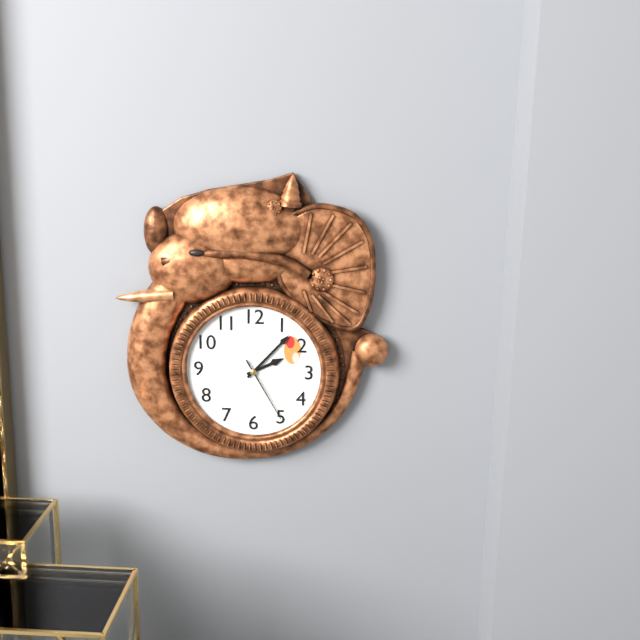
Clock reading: 2h07m25s
